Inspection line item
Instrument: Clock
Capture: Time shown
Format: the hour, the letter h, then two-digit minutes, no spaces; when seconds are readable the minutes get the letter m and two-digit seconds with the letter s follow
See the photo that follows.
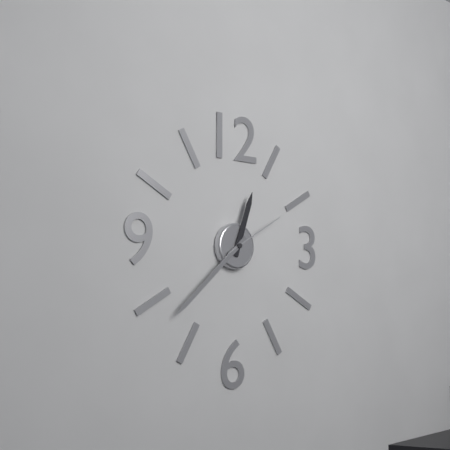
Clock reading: 12h38m10s
